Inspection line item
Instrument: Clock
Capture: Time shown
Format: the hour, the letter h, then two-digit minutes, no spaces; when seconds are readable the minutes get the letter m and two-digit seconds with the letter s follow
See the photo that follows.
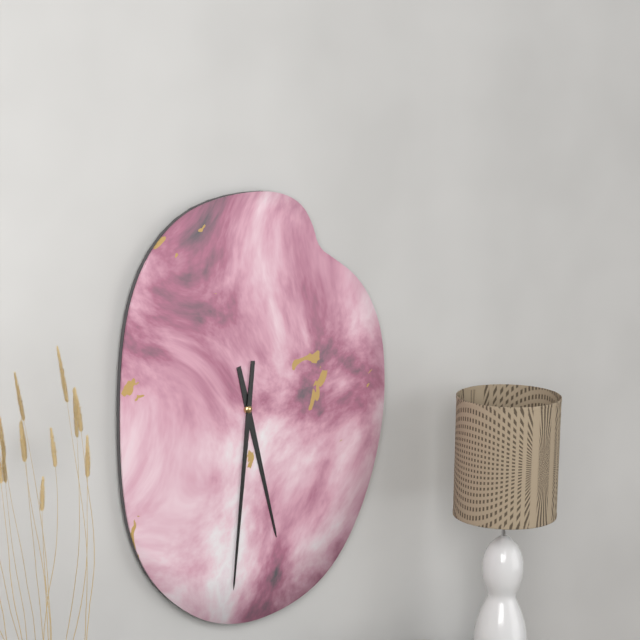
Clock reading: 5h31
